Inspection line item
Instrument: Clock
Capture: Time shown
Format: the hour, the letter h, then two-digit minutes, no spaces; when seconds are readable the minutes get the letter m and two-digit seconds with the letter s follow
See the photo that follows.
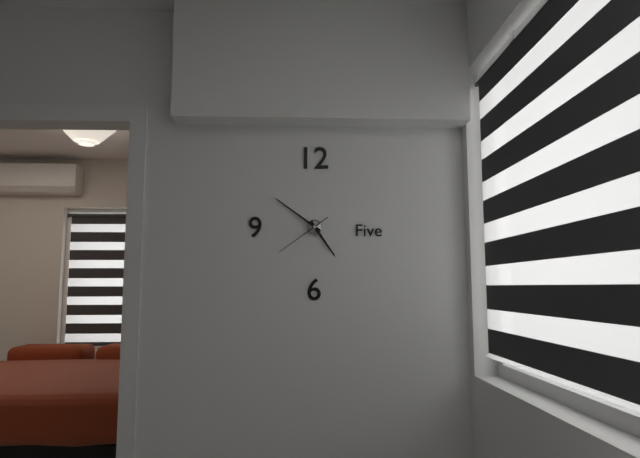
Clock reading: 4h51m39s
